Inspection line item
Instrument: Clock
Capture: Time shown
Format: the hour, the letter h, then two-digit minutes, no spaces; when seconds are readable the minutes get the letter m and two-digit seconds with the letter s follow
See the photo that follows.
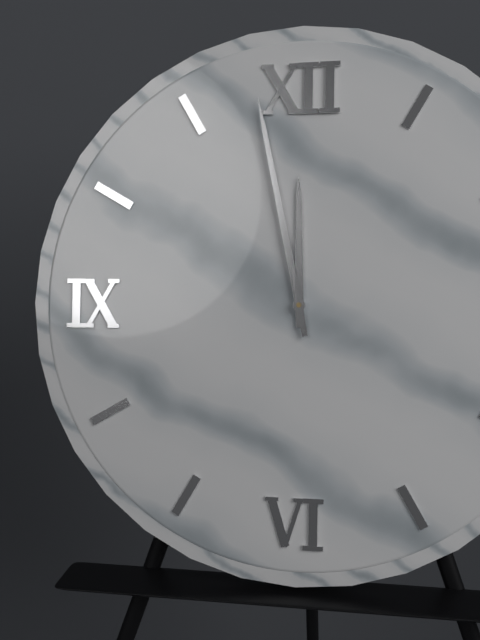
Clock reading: 11h58
